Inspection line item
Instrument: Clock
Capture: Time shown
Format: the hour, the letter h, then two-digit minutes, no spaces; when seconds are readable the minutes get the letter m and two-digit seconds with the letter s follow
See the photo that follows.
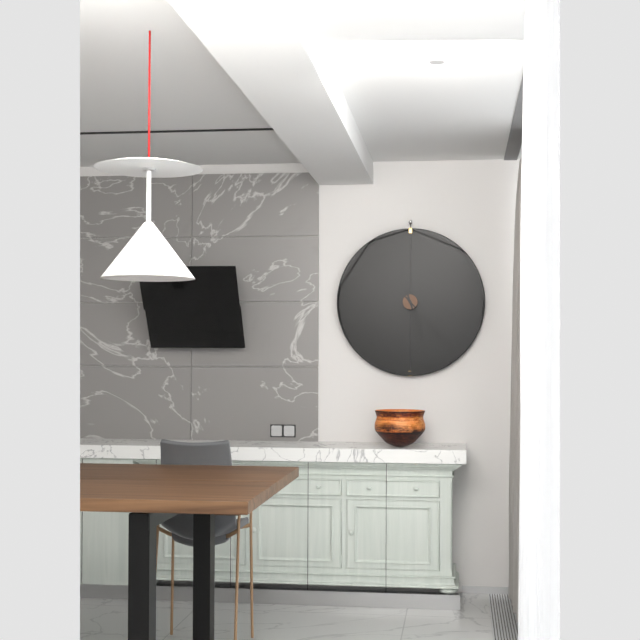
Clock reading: 5h23
